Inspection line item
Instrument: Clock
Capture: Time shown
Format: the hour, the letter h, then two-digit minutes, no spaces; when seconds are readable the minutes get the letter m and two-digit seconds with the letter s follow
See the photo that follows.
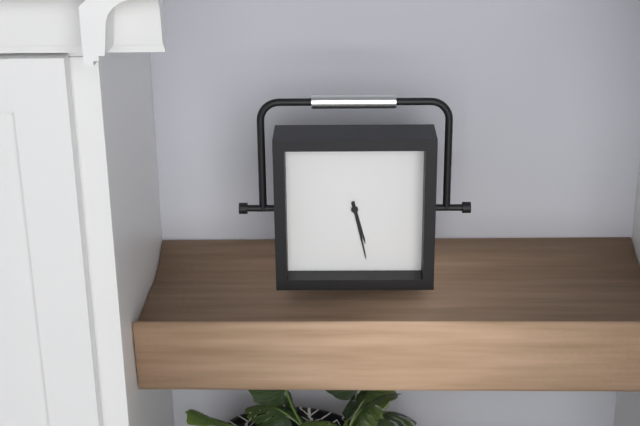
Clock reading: 5h28
